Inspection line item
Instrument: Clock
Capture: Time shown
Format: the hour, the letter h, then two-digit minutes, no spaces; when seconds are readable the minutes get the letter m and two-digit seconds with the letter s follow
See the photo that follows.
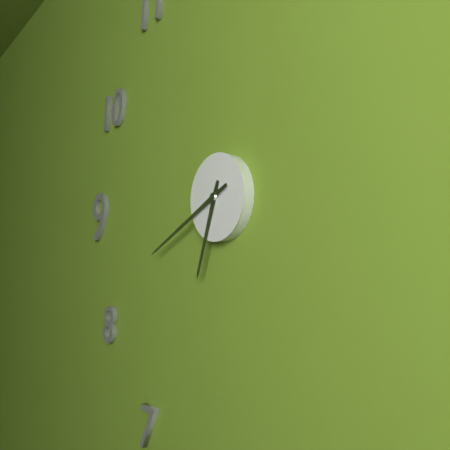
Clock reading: 6h41
